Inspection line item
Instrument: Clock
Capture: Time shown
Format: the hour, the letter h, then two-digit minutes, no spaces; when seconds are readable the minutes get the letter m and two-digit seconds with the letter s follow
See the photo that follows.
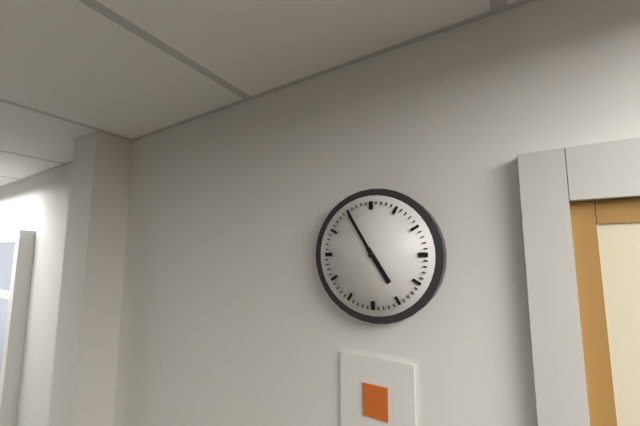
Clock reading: 4h55
